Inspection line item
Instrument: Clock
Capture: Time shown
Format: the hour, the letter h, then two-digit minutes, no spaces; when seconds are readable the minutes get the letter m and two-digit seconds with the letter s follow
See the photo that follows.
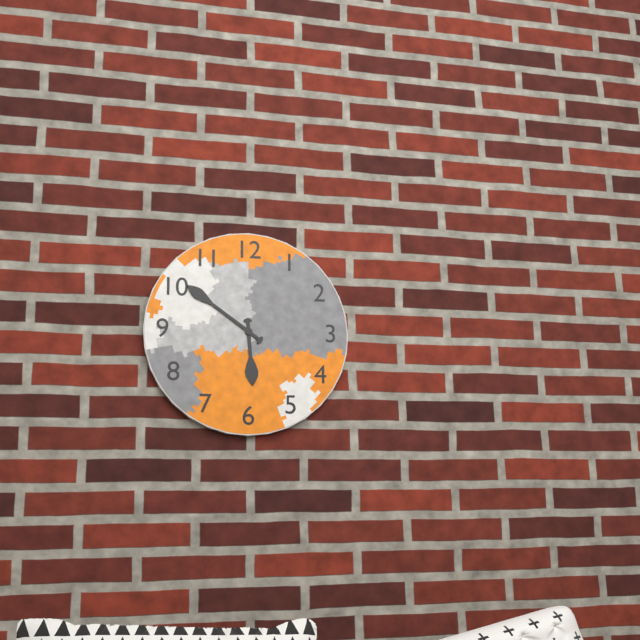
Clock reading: 5h51
